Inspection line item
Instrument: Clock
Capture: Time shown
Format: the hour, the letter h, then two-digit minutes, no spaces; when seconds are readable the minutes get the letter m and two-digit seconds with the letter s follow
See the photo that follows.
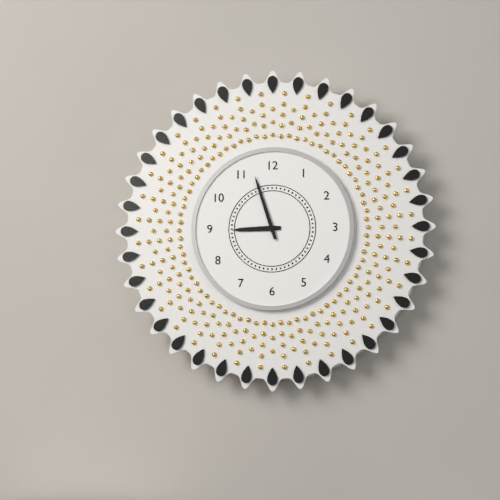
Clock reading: 8h57
